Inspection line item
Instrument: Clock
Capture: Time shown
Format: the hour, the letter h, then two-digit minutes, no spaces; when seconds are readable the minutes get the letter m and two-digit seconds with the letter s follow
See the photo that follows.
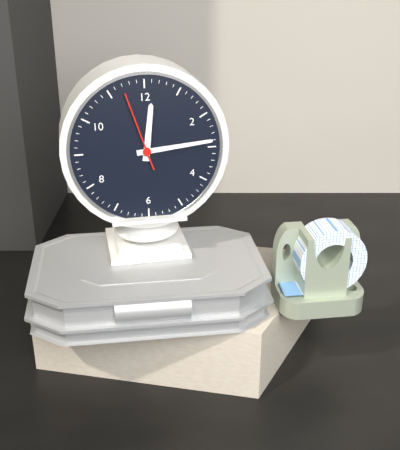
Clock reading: 12h14m57s
